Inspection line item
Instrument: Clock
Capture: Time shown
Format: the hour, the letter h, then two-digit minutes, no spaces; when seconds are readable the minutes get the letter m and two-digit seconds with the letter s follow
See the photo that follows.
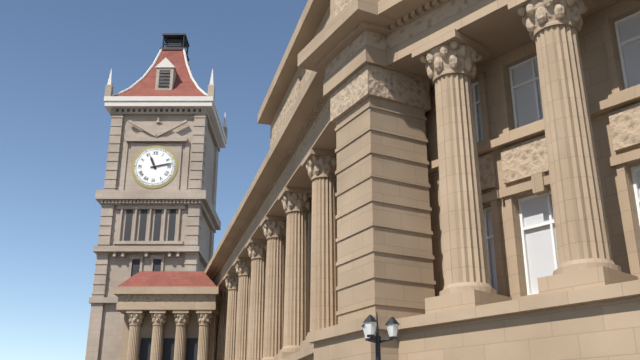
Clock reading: 11h13
